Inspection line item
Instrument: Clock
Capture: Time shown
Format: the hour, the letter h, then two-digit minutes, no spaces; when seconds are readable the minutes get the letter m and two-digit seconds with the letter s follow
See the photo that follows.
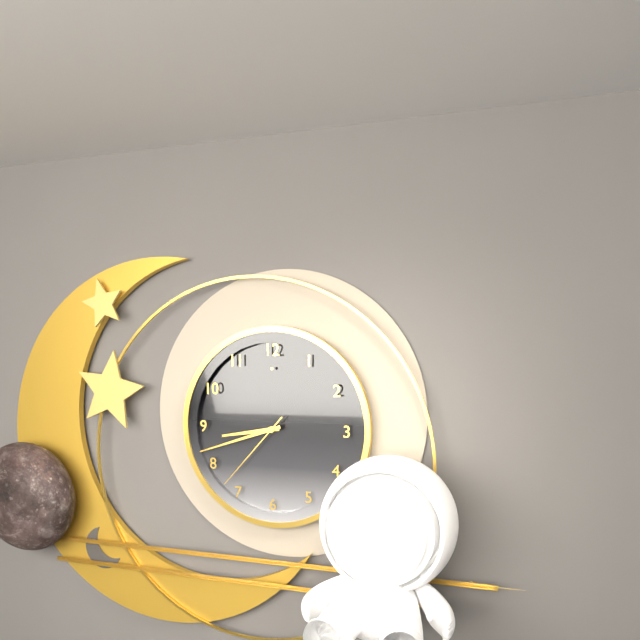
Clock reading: 8h42m37s
